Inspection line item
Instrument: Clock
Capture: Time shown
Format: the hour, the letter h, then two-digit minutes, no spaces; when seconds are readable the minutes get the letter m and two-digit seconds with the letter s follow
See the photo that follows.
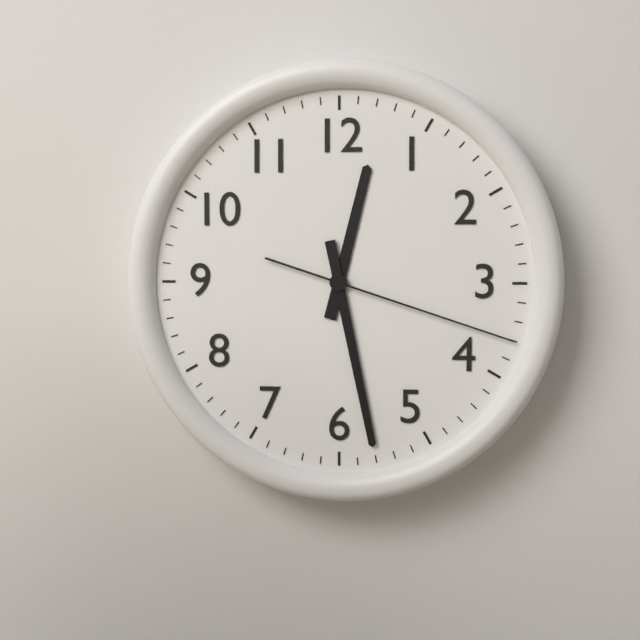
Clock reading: 12h28m18s
